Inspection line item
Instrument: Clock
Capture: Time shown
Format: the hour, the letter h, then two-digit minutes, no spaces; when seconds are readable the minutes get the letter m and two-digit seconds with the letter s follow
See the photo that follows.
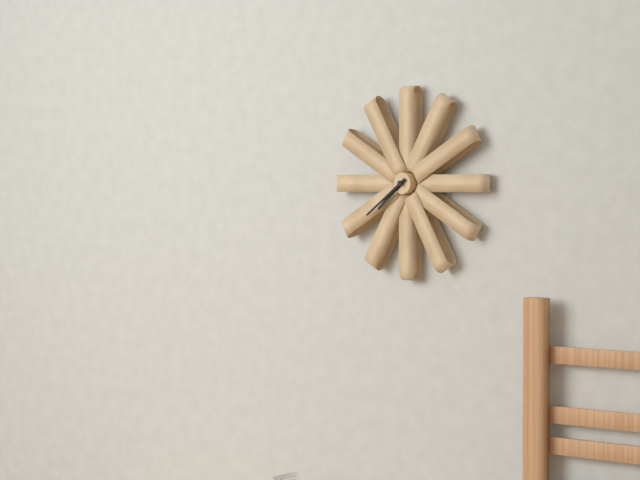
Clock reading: 7h39
